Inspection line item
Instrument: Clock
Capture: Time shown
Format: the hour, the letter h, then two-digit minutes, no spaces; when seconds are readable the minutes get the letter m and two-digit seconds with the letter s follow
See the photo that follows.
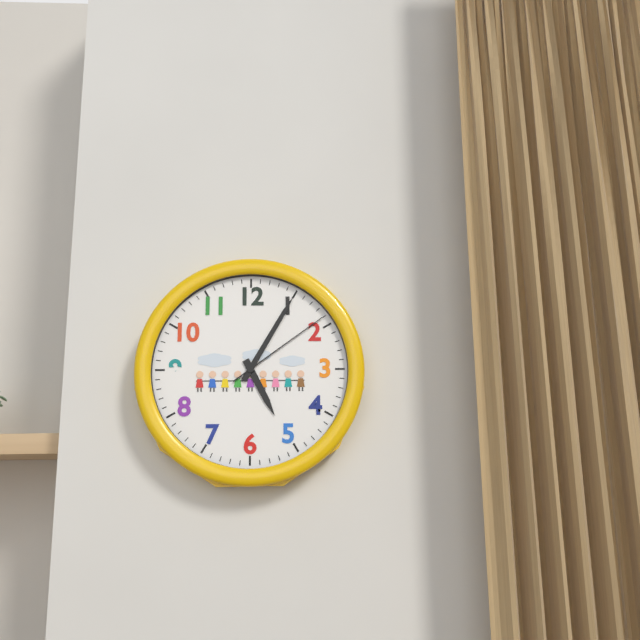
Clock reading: 5h05m09s
